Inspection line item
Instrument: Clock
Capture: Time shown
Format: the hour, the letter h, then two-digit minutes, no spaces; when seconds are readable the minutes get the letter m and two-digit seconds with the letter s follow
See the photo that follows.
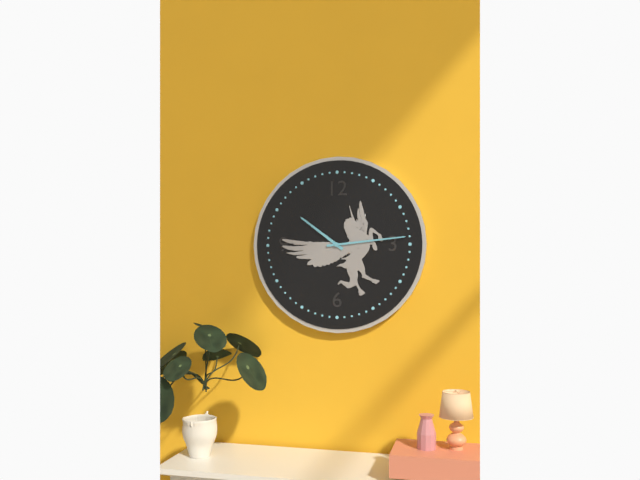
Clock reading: 10h14
